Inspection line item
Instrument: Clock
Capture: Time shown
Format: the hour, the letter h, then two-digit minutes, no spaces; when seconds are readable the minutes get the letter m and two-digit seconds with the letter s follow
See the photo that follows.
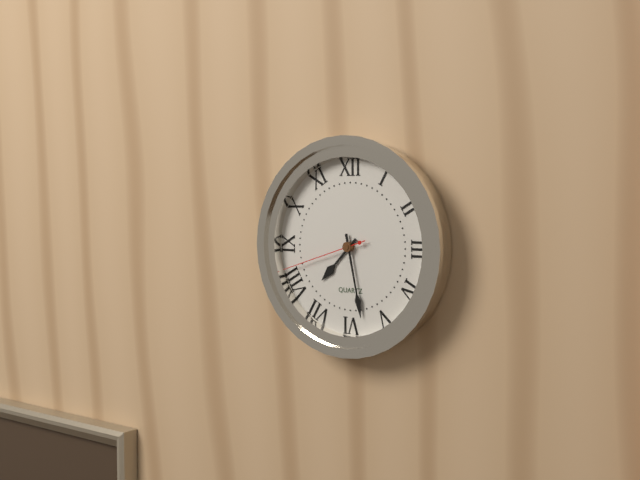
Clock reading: 7h28m42s
